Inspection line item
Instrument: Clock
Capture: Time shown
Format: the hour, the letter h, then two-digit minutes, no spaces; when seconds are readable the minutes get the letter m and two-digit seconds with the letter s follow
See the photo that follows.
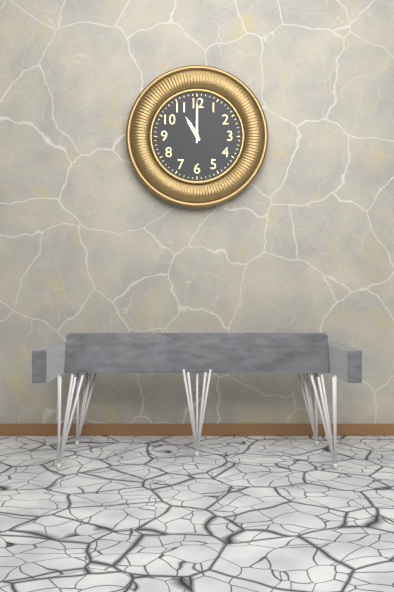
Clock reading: 11h00
